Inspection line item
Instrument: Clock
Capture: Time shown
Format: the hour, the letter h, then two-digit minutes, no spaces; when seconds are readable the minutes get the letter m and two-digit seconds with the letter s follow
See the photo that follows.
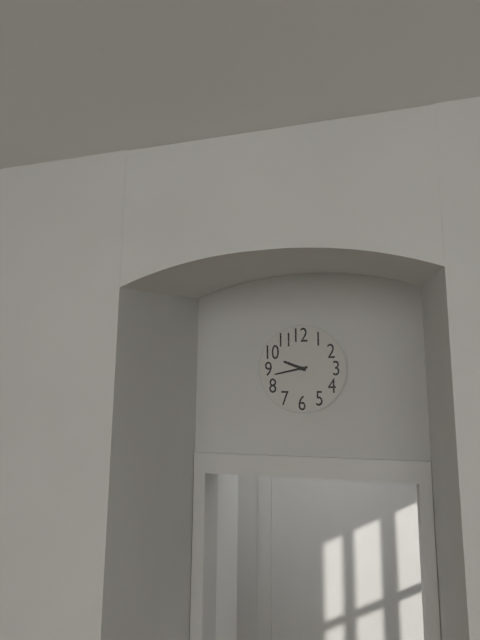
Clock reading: 9h43
